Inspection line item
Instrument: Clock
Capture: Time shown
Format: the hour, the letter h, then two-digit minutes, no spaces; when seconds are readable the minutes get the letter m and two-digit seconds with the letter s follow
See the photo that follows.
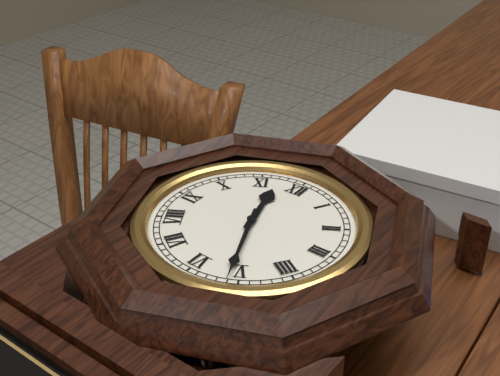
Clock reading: 11h26
